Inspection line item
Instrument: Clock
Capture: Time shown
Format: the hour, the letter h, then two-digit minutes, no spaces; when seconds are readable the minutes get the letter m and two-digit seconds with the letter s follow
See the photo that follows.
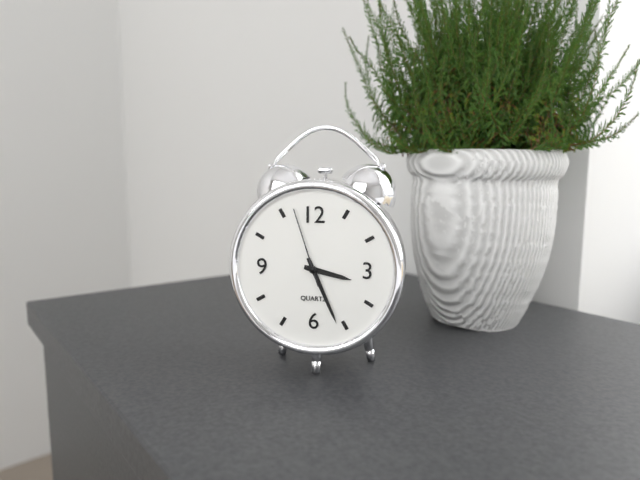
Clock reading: 3h26m57s
